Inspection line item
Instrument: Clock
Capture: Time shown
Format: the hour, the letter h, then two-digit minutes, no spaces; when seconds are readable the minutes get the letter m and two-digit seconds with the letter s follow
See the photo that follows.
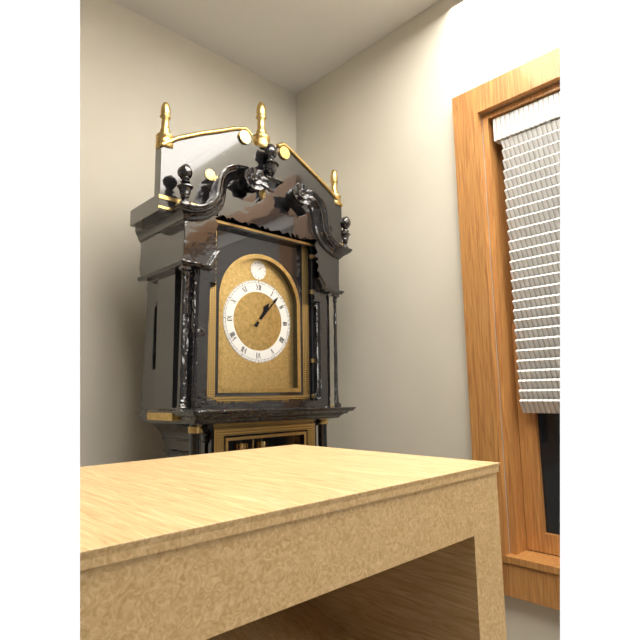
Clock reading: 1h07
